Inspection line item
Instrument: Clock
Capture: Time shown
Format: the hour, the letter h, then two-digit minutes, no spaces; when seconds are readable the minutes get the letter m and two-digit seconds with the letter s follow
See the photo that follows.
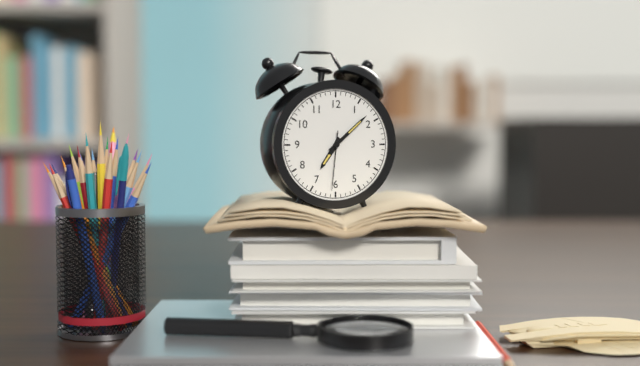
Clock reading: 7h08m31s
